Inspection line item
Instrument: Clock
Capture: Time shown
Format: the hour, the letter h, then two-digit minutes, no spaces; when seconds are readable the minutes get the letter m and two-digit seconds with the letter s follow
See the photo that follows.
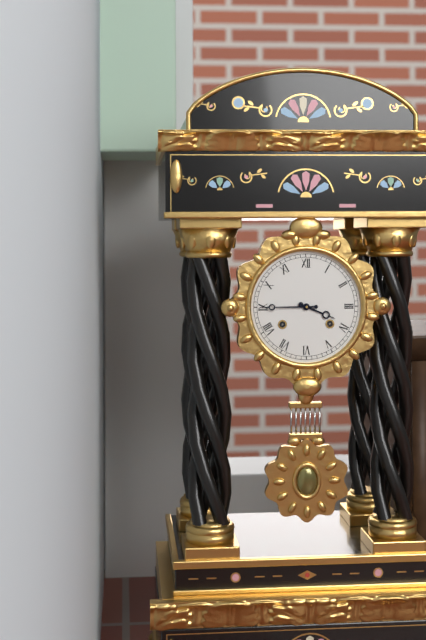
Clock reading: 3h45
